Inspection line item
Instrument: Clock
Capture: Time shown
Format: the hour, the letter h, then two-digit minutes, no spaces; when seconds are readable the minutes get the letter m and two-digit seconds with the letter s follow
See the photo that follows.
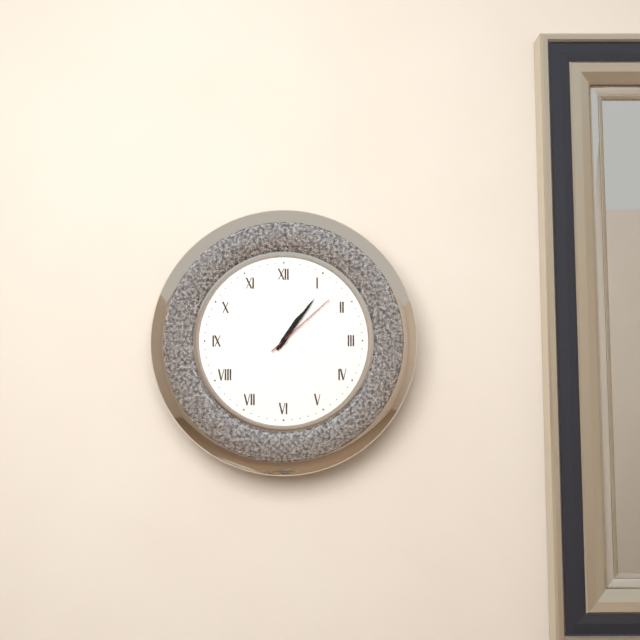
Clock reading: 1h06m08s
